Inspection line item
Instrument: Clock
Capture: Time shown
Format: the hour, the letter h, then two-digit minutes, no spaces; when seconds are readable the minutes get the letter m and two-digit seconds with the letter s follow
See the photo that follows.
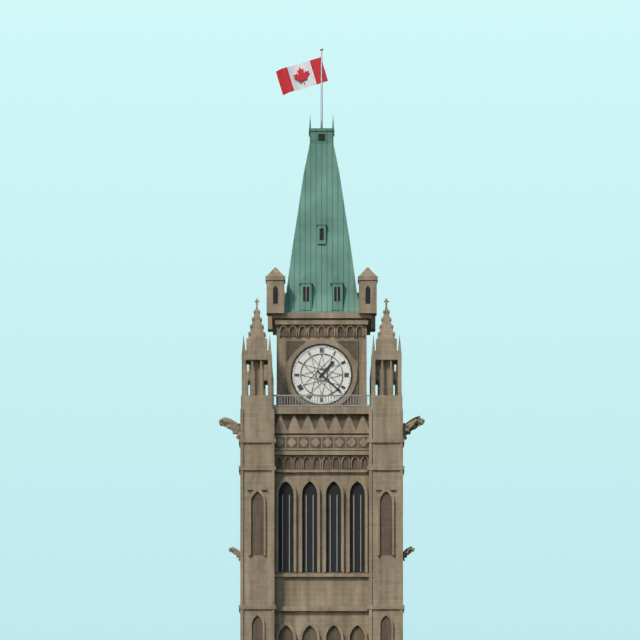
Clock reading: 1h22
